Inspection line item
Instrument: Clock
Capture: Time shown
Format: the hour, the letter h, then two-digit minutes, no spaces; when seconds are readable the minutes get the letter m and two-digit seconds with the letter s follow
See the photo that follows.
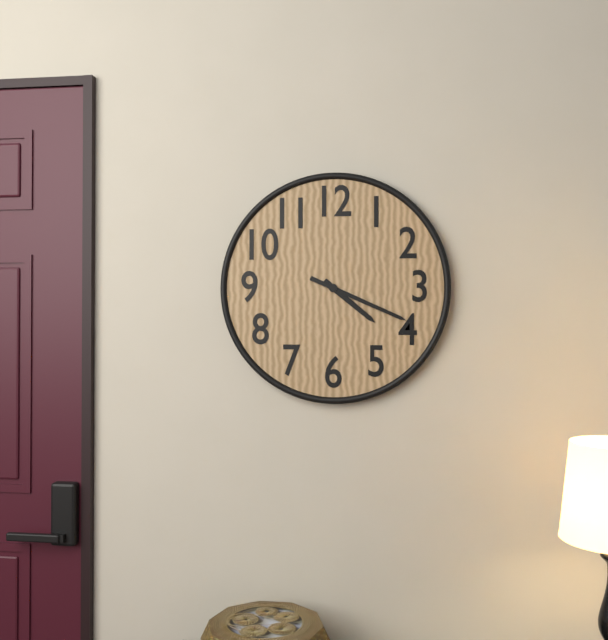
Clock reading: 4h19
